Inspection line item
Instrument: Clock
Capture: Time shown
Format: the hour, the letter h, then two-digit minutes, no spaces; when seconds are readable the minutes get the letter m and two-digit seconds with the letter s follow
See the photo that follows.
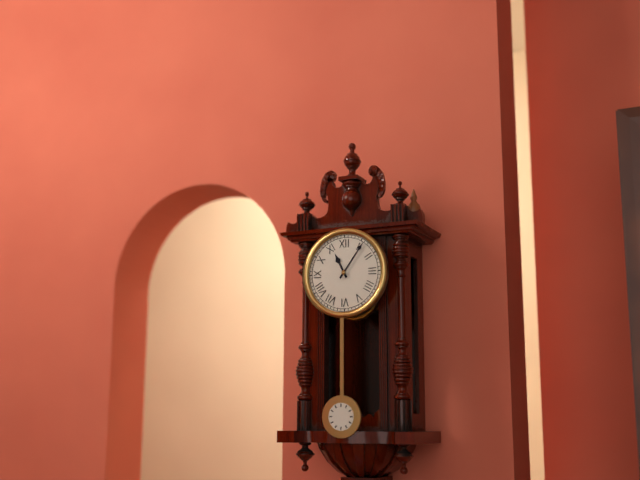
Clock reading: 11h06
